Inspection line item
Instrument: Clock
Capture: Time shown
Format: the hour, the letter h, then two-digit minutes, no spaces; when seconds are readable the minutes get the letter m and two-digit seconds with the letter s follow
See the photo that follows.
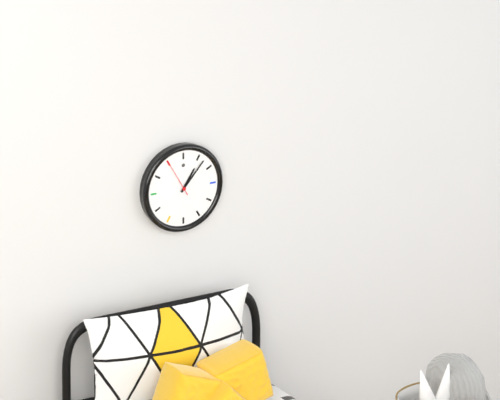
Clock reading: 1h07
